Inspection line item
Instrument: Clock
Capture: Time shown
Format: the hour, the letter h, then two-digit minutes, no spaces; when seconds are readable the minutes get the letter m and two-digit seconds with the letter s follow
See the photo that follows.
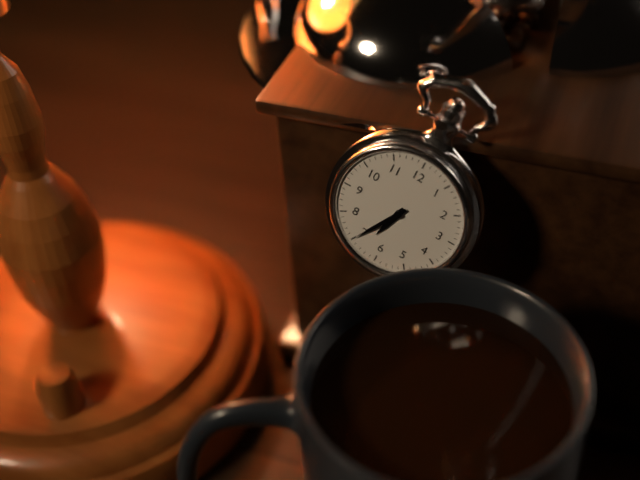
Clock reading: 6h35
